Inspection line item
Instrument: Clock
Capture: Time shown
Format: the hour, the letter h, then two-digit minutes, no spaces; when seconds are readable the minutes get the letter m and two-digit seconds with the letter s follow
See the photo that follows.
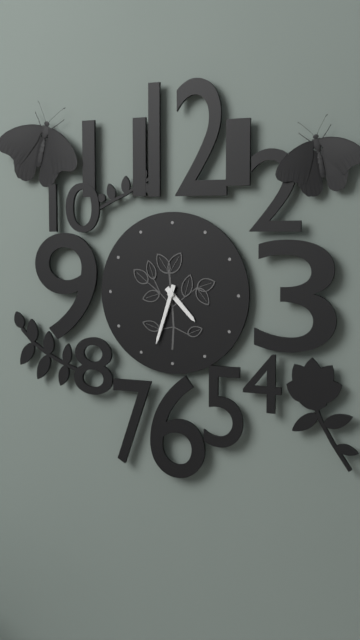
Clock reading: 4h33
